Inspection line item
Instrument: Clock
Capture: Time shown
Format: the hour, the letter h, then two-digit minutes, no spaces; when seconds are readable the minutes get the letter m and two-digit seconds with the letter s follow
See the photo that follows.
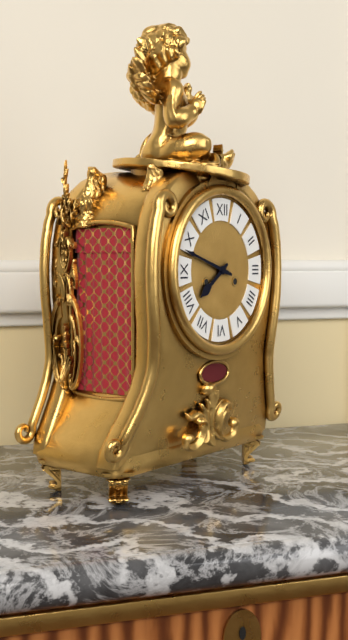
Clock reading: 7h48
